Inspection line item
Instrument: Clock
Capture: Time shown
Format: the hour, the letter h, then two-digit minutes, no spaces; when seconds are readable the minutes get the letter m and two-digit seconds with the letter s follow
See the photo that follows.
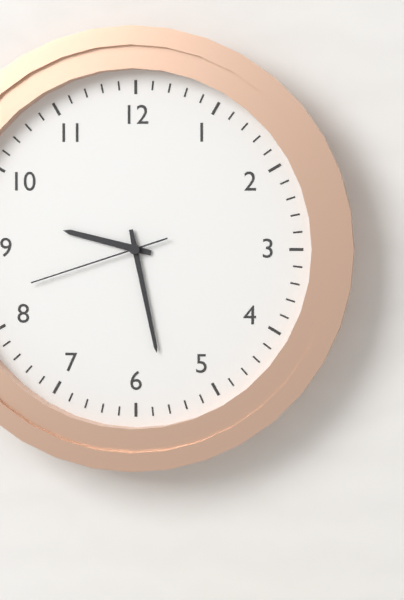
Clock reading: 9h28m42s
